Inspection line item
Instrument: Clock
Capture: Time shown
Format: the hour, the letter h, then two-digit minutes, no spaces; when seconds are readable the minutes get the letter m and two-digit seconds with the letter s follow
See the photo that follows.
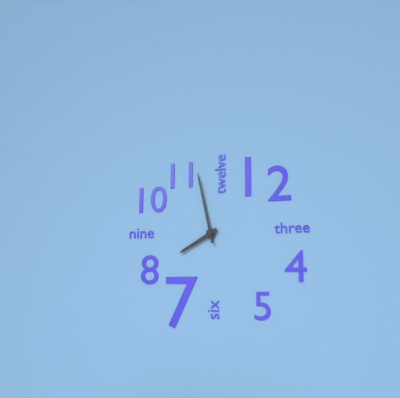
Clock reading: 7h58
